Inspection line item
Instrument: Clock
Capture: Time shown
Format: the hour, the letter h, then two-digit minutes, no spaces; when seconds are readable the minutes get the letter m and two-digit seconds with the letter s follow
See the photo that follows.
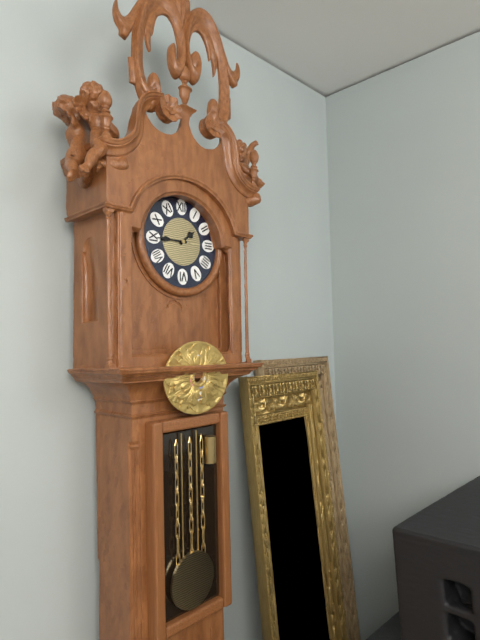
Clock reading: 1h45
